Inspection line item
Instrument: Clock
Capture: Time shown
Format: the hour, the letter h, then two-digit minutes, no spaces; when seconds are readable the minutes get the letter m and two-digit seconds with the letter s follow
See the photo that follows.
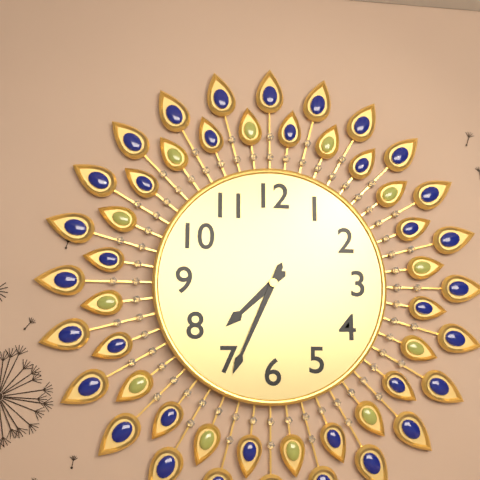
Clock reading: 7h34
